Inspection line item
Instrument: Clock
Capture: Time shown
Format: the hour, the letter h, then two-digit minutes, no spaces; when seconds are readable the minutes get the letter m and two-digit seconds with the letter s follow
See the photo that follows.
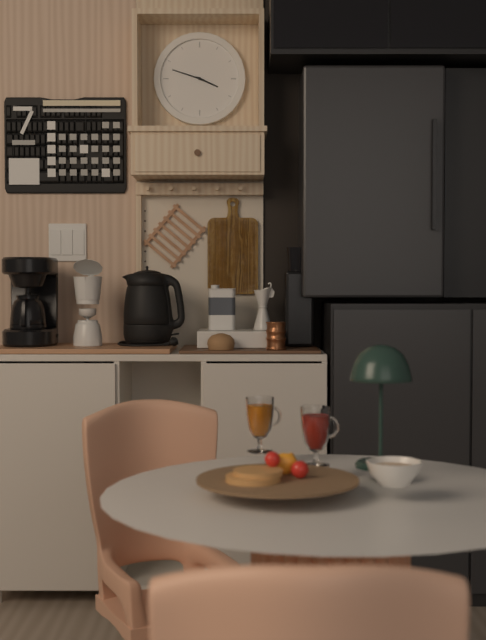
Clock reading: 3h48
